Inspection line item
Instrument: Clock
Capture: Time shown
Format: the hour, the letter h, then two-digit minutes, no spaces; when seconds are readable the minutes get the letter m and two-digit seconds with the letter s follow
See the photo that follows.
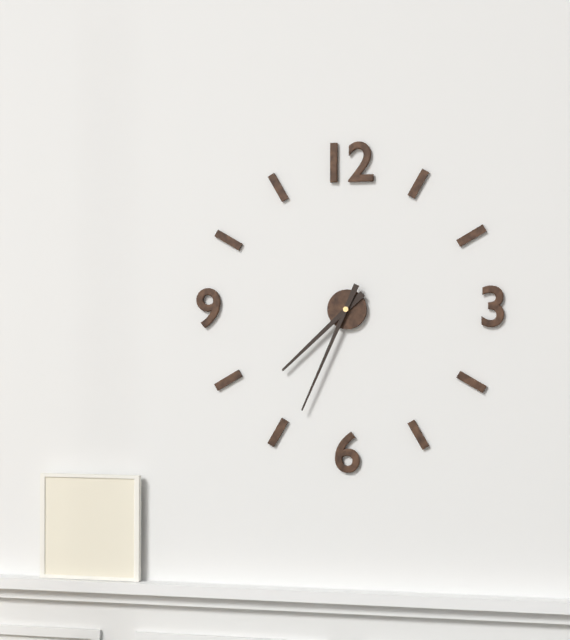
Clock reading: 7h34
